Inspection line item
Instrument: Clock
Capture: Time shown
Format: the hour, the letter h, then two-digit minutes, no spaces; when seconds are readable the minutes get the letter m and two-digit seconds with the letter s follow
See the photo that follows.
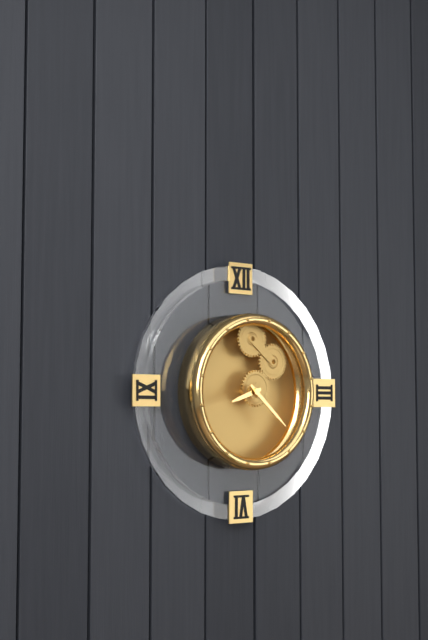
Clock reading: 8h22
